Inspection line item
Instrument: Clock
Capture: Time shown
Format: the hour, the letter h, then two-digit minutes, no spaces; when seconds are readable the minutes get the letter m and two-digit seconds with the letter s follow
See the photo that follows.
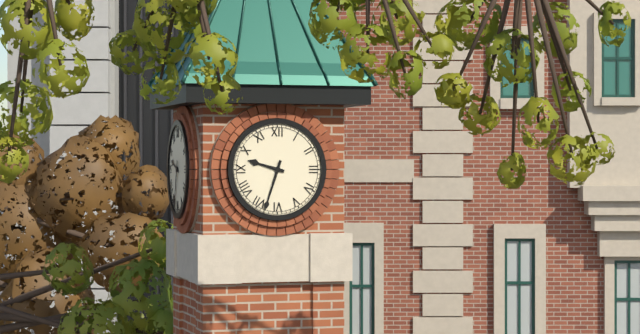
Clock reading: 9h33
